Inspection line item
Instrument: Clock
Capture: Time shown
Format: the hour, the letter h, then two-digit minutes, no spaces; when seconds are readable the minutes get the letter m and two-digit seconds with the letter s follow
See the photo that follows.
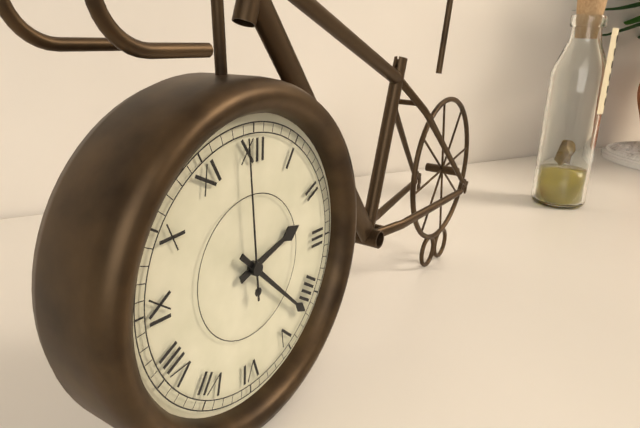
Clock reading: 2h22m59s
